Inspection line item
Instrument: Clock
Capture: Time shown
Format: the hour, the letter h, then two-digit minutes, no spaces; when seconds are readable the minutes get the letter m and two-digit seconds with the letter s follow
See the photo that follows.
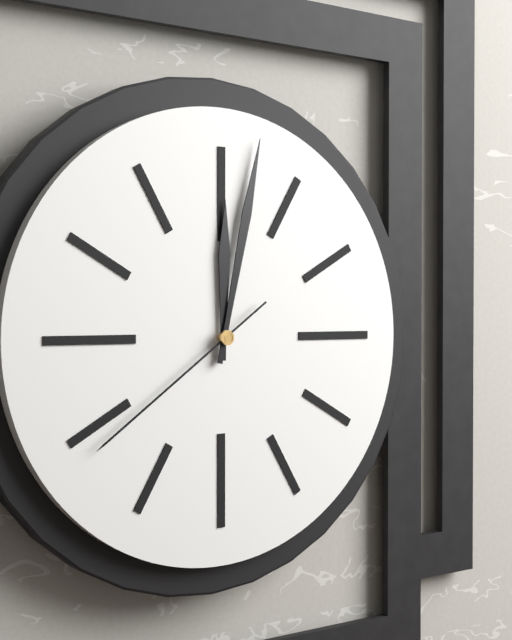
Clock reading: 12h02m39s
